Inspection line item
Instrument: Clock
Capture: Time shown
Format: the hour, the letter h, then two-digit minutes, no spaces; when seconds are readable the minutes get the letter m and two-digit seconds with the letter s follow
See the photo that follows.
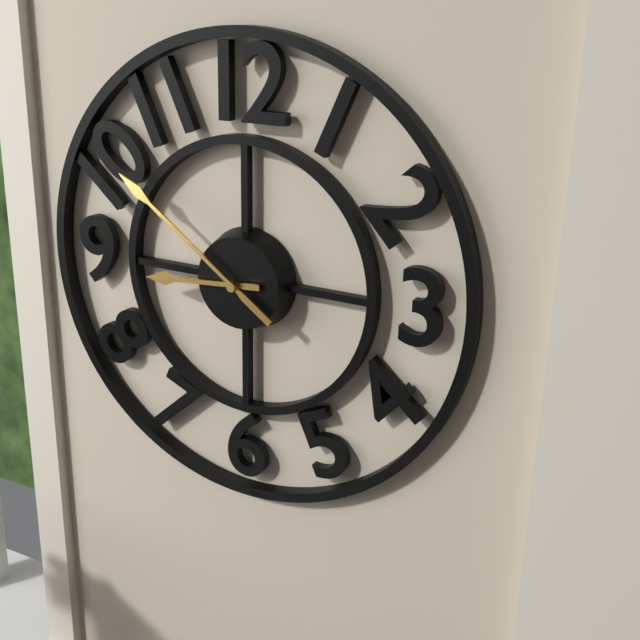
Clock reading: 8h51
